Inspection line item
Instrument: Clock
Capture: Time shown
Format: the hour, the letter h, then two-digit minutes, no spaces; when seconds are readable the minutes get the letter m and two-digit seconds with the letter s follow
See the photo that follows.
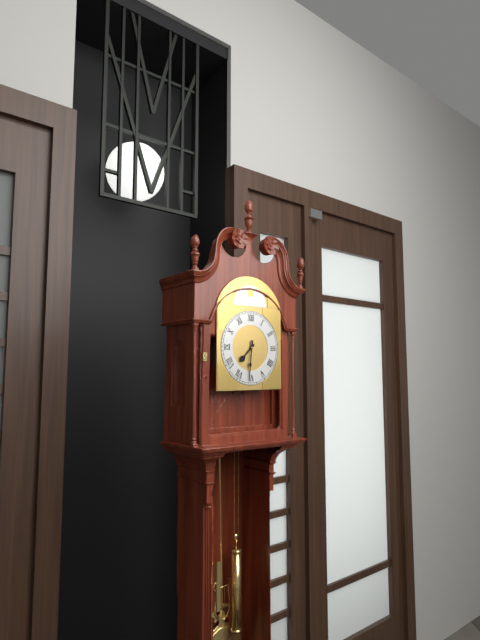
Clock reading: 7h31
